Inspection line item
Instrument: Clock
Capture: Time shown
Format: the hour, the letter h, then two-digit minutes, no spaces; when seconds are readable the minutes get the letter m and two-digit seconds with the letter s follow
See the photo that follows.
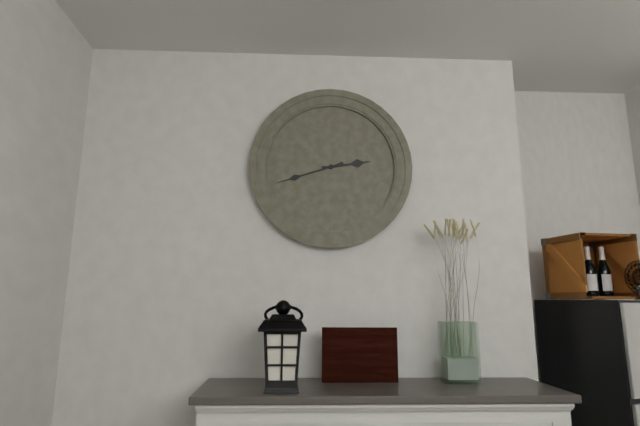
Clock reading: 2h42
